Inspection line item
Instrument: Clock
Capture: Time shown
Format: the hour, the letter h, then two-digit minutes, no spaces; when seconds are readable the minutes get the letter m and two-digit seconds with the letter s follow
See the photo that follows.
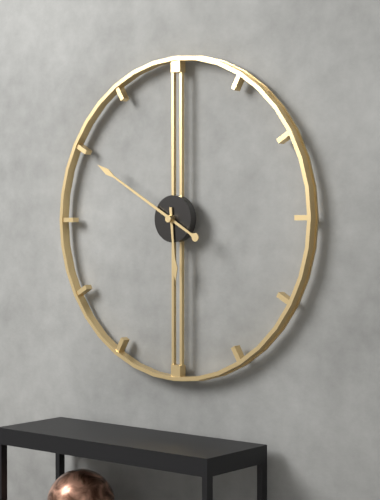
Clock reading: 5h50
